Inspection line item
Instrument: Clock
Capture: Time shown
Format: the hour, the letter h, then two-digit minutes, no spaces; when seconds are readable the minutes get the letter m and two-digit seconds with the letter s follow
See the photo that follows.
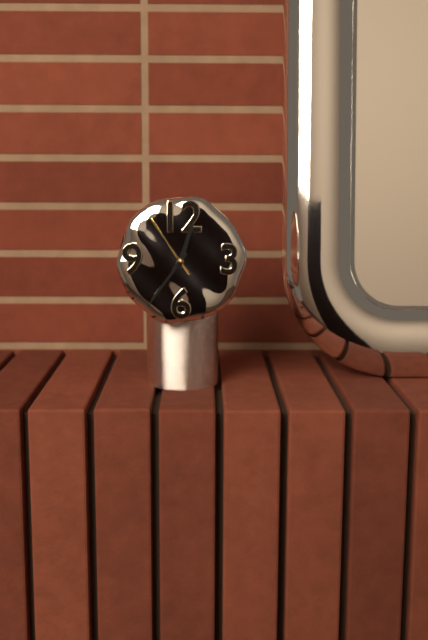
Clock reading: 12h36m54s
